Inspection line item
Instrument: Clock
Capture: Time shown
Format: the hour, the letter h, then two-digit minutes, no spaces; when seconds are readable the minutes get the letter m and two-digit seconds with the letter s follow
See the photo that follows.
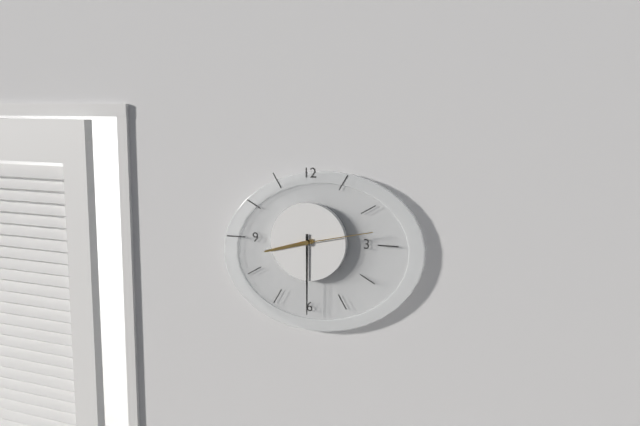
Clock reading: 8h30m13s
